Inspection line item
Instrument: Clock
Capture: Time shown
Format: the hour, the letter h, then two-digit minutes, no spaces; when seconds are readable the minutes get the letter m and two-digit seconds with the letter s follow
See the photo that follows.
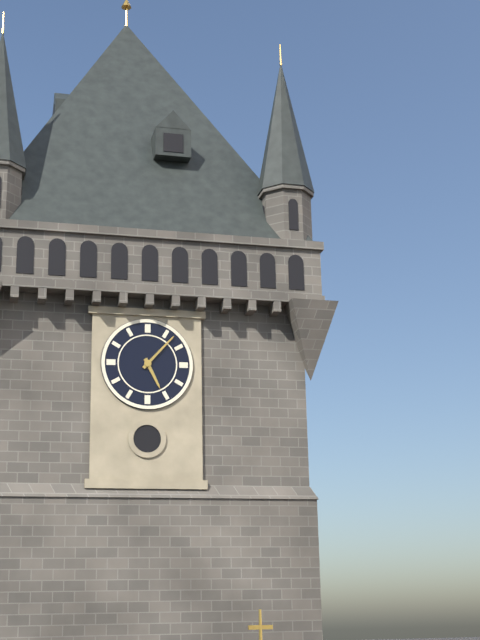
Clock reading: 5h07
